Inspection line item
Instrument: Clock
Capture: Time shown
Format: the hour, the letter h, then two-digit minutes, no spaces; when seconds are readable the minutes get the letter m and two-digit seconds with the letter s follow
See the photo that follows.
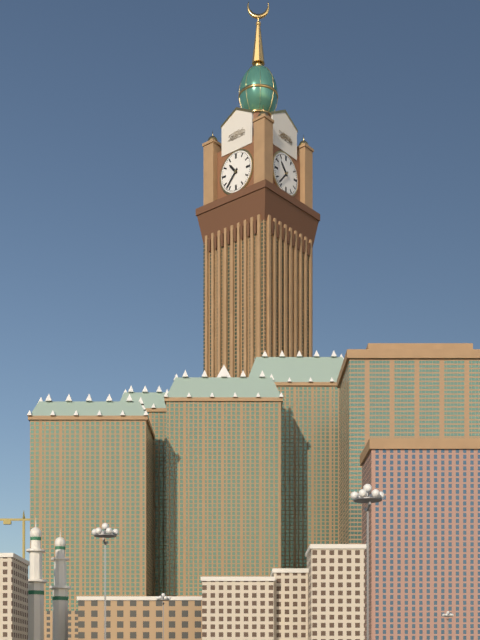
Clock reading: 10h37
